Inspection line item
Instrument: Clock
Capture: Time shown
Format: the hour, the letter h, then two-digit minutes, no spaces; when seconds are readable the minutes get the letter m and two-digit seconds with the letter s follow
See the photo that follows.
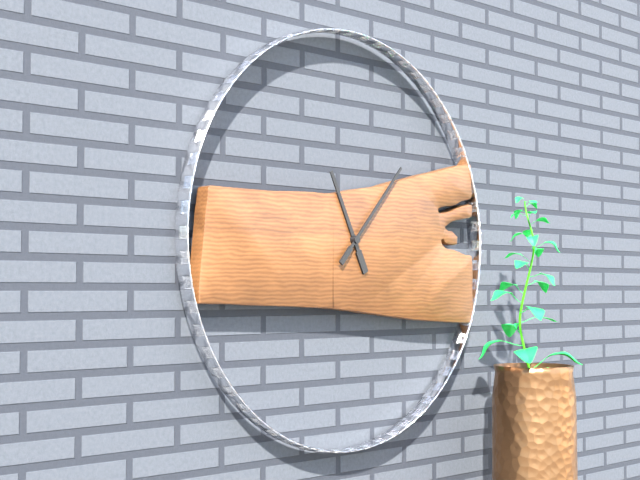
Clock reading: 11h07
